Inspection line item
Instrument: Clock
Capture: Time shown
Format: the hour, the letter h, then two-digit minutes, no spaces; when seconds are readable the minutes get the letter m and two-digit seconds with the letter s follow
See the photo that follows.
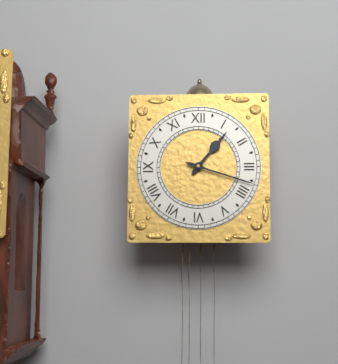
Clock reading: 1h18
